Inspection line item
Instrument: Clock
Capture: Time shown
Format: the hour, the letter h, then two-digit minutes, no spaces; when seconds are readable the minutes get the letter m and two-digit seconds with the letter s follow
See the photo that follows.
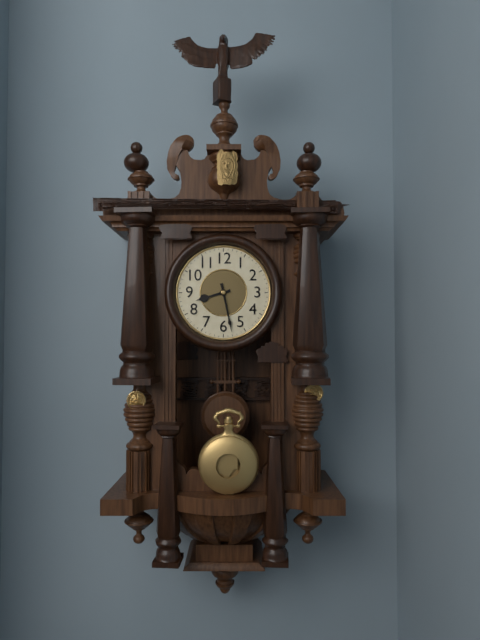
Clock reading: 8h28
